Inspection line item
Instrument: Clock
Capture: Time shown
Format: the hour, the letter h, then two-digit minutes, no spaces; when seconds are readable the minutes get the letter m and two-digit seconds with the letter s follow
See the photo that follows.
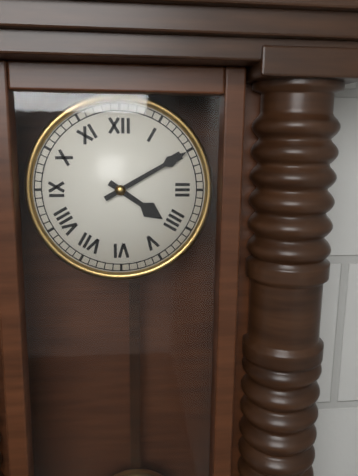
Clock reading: 4h10
